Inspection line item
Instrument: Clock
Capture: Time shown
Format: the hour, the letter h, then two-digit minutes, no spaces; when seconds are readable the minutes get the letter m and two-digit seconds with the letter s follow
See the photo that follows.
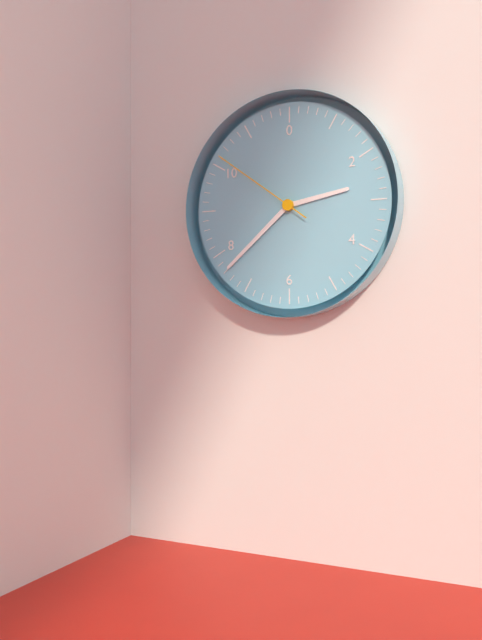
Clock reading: 2h38m51s
